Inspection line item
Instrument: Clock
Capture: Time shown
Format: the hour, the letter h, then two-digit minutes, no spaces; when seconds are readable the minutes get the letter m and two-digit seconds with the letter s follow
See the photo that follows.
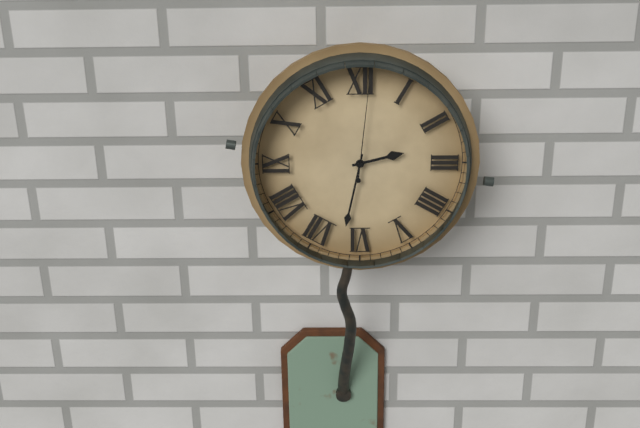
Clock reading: 2h32m01s
